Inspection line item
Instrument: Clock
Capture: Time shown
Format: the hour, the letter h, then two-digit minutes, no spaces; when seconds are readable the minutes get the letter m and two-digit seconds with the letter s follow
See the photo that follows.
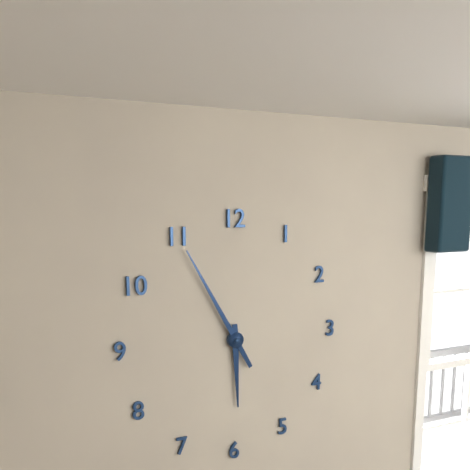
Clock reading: 5h55
